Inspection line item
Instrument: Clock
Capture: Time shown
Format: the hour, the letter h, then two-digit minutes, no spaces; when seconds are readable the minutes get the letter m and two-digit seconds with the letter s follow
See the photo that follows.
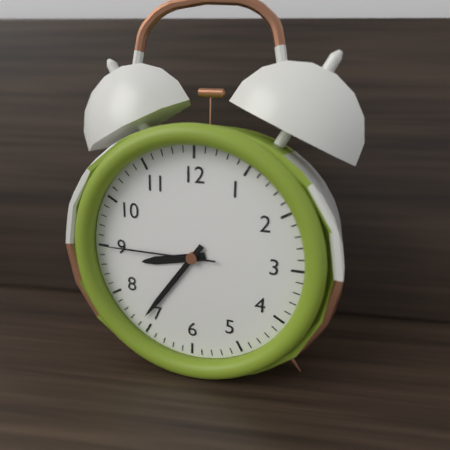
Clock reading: 8h36m45s
